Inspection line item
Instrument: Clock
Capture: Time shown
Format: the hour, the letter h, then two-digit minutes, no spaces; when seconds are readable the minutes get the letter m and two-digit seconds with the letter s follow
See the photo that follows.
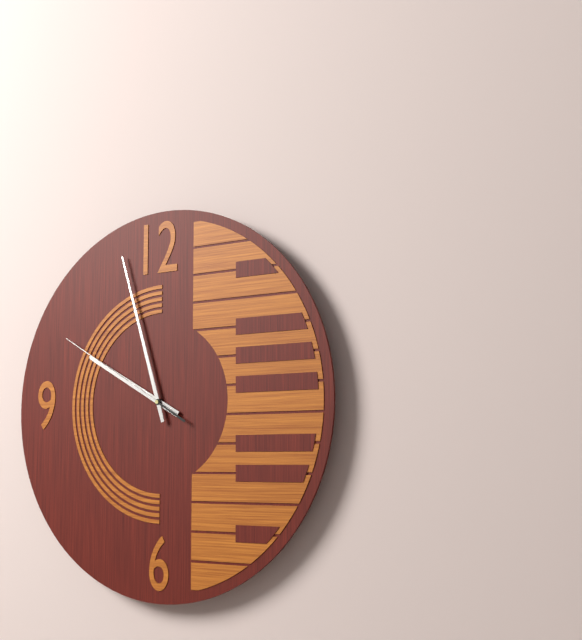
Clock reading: 9h57m50s
